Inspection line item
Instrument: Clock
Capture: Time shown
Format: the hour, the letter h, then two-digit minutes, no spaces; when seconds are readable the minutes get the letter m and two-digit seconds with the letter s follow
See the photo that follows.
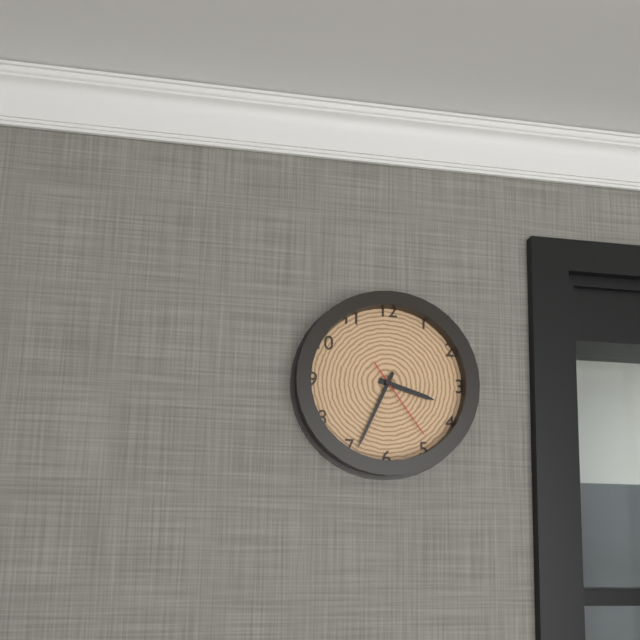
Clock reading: 3h34m24s
